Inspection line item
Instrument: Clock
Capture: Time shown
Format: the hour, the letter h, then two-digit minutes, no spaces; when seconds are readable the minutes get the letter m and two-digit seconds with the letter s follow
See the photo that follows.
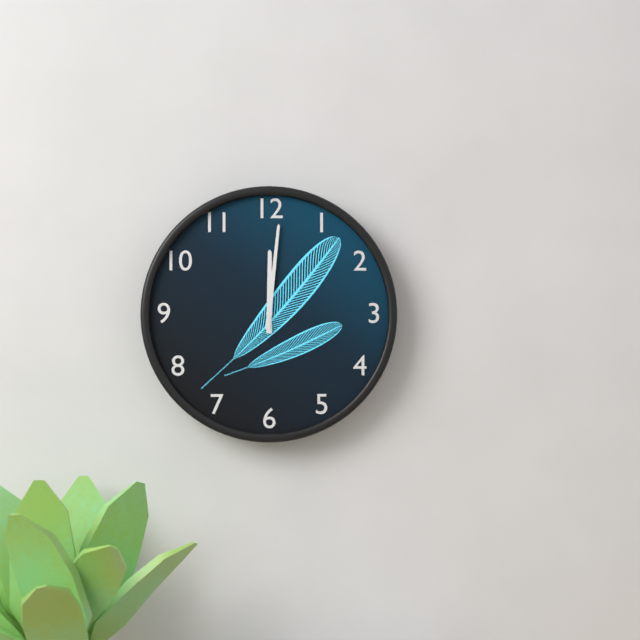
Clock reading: 12h01
